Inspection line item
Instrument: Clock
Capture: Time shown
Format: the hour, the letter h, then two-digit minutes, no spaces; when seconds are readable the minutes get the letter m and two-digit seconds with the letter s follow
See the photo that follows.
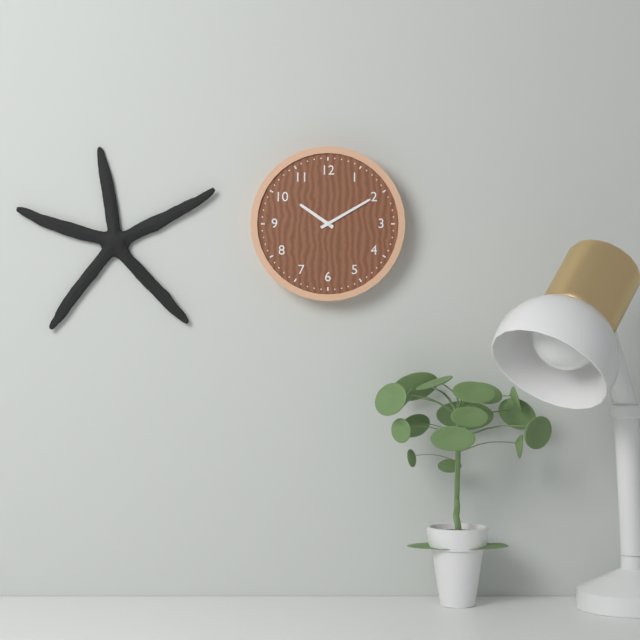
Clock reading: 10h10
